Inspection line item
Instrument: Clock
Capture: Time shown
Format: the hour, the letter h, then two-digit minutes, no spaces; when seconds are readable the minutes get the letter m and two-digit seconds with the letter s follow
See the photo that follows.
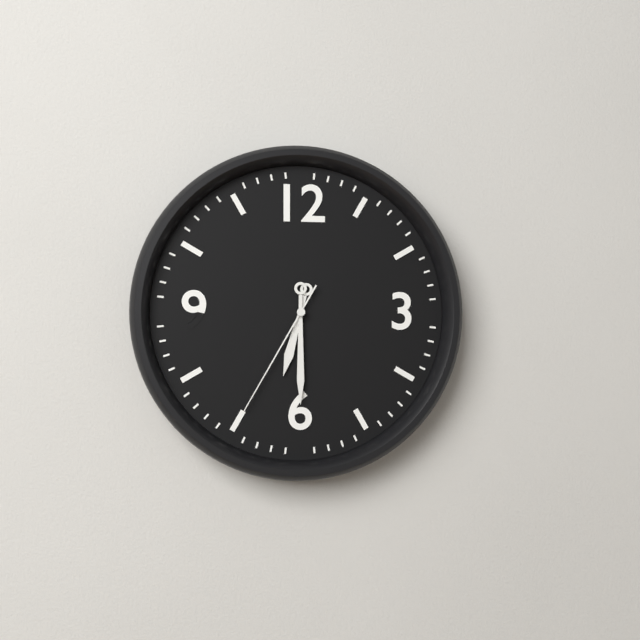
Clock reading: 6h30m35s
